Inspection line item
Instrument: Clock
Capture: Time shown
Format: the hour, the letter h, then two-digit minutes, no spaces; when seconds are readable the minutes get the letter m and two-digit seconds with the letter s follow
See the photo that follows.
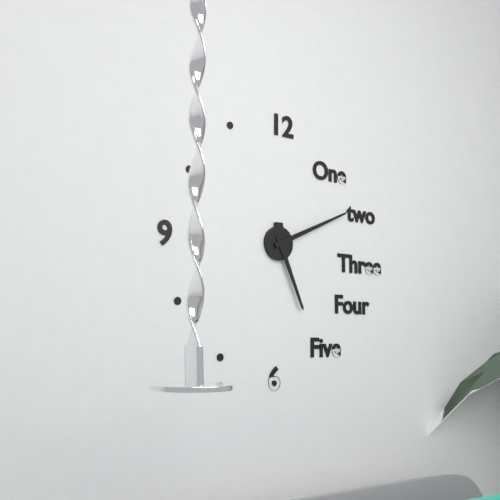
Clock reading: 5h11
